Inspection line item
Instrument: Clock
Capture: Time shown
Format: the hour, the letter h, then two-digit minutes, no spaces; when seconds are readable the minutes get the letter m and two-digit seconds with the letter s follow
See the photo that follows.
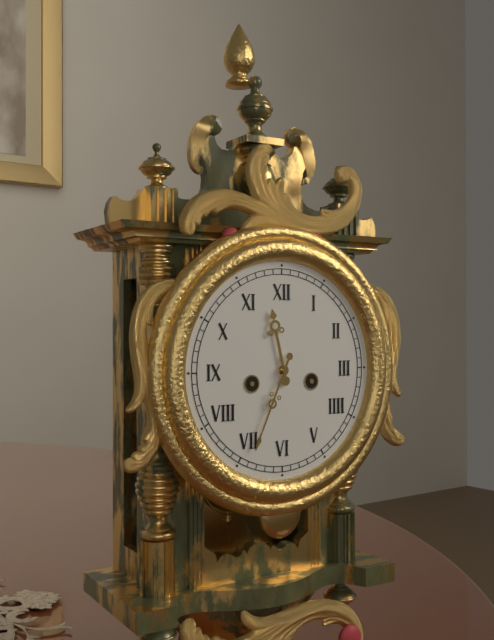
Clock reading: 11h34
